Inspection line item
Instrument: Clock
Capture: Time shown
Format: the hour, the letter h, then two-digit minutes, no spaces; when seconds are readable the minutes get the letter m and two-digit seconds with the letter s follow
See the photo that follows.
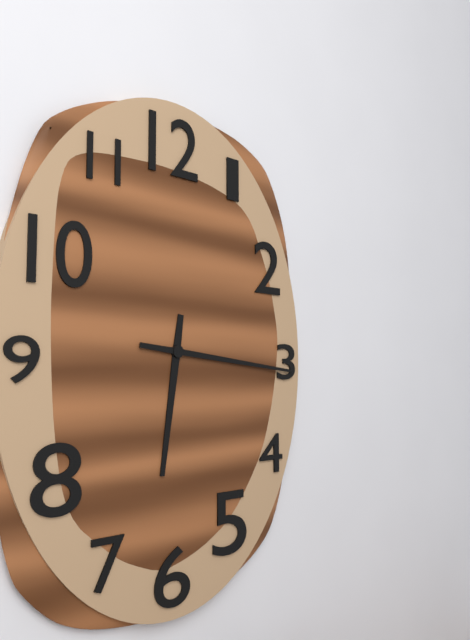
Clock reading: 6h16
